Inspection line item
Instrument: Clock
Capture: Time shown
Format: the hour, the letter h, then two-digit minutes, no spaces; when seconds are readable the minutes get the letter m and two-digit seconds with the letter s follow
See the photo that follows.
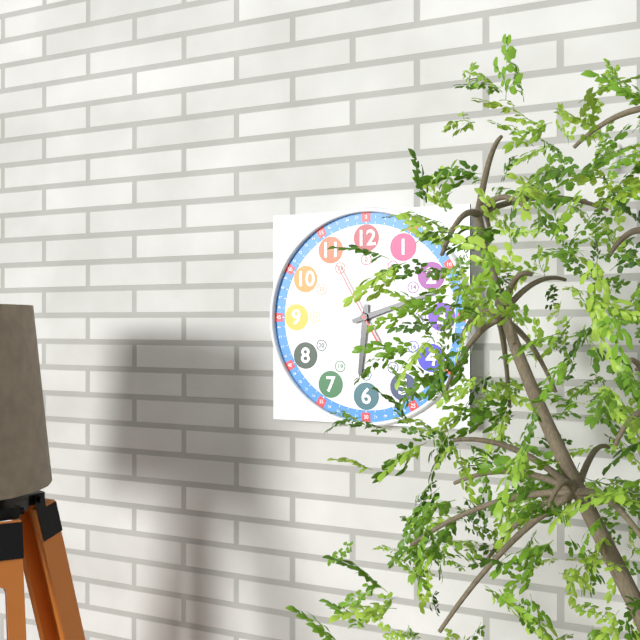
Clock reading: 6h12m55s
